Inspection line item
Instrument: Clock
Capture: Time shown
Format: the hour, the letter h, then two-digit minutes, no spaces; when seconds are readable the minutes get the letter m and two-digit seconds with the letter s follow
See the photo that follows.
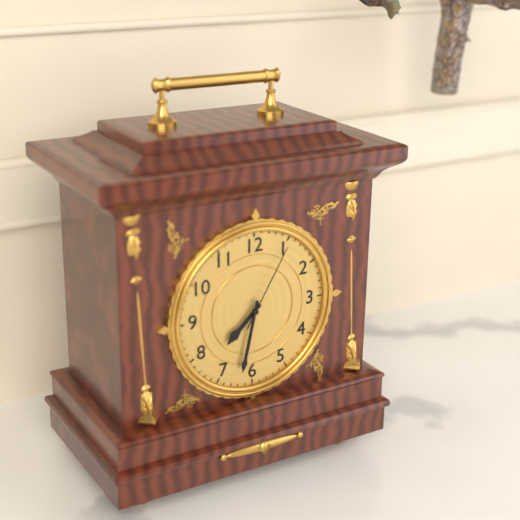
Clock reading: 7h32m05s
